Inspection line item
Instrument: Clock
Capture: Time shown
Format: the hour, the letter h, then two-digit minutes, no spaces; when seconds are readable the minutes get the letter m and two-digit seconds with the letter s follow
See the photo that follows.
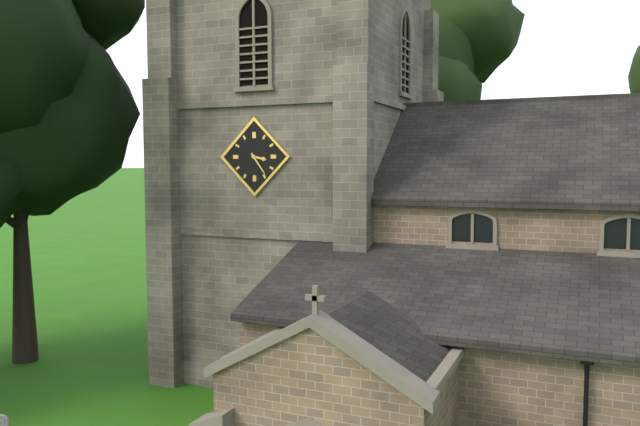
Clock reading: 3h24
